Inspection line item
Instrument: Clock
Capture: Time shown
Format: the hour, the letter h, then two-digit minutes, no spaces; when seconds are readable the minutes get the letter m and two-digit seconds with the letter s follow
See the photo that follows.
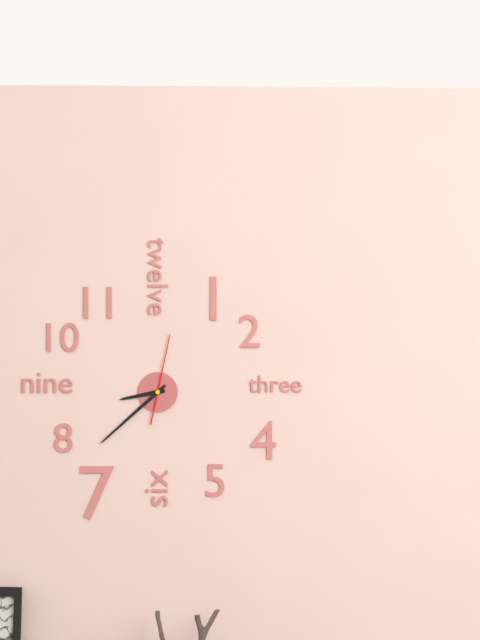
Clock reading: 8h38m02s
